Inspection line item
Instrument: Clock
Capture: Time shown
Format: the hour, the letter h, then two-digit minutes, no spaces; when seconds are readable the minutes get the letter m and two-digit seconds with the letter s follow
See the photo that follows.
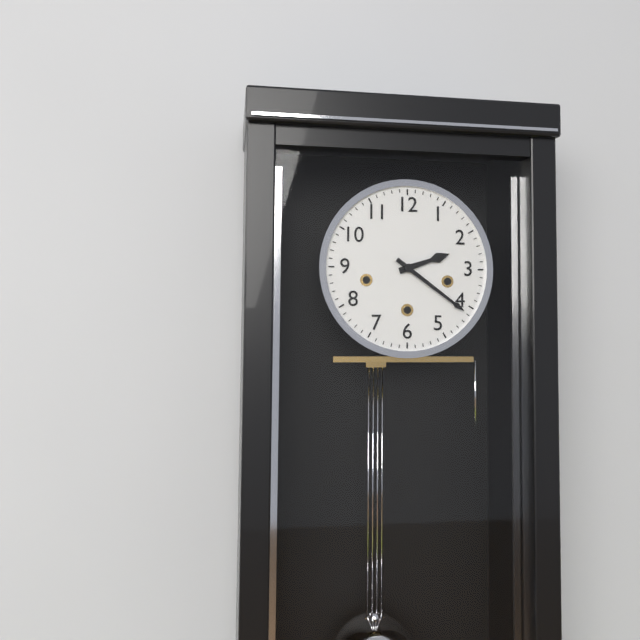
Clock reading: 2h21
